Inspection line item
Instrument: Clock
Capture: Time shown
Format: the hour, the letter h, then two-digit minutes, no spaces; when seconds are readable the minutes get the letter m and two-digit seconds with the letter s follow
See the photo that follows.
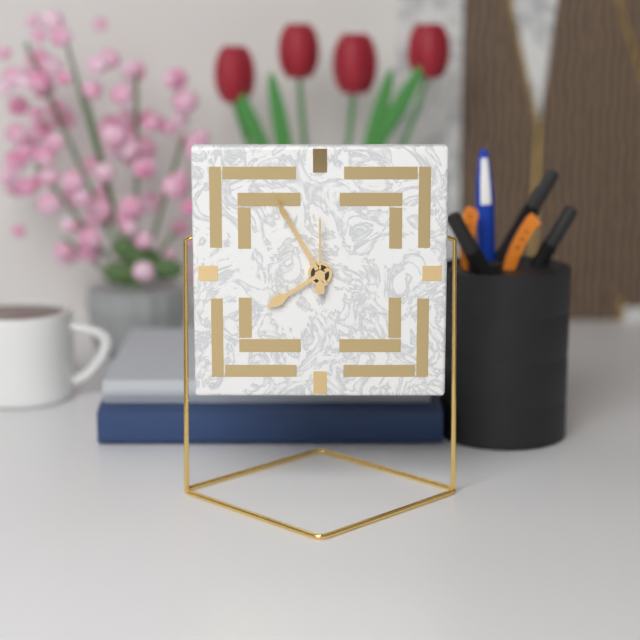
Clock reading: 7h55m00s
